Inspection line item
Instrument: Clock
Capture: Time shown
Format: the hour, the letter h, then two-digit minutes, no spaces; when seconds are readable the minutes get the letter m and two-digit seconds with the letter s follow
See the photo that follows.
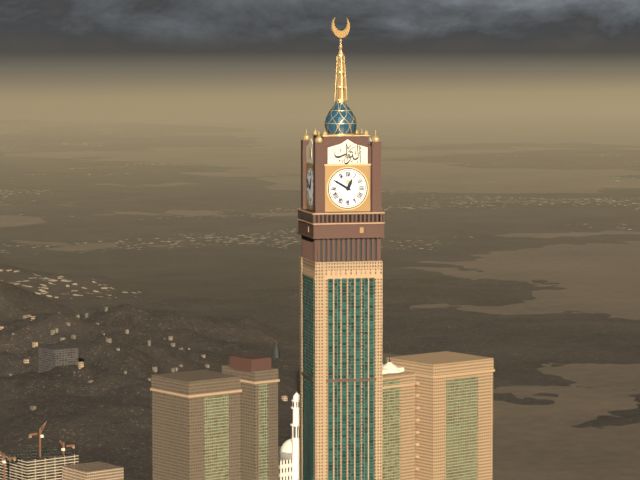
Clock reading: 12h50
